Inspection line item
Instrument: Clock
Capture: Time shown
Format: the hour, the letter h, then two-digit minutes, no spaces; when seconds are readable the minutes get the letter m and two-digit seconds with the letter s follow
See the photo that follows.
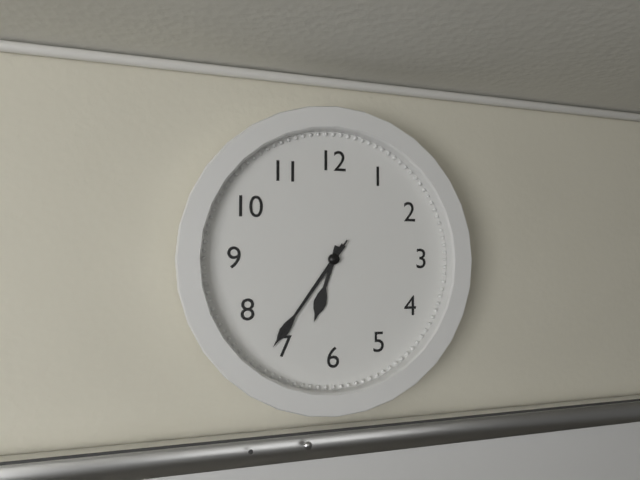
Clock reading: 6h36m36s
